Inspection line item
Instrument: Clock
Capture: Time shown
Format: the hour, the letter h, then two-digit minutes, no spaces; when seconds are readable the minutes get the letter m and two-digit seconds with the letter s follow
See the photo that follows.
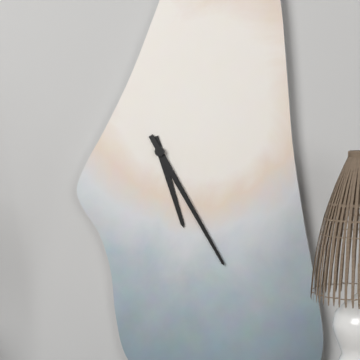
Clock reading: 5h25
